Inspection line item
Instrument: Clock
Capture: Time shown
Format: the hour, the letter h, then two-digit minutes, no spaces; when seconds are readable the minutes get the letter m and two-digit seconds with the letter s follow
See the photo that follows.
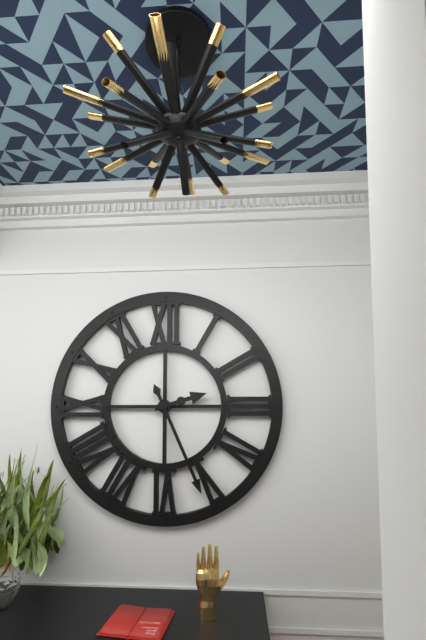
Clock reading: 2h26
